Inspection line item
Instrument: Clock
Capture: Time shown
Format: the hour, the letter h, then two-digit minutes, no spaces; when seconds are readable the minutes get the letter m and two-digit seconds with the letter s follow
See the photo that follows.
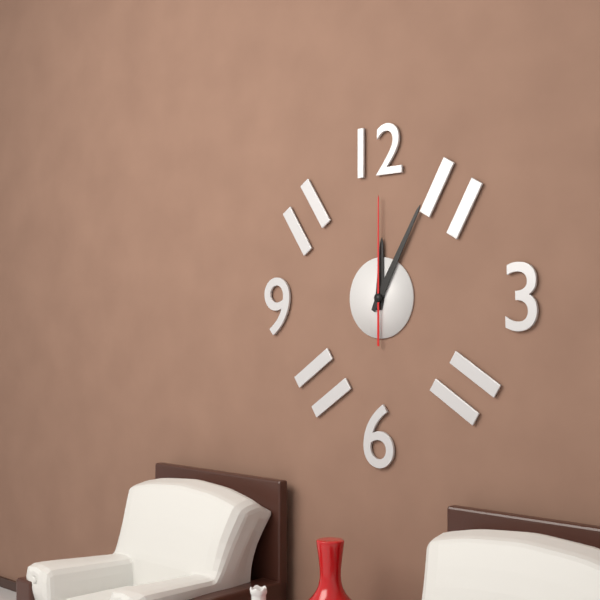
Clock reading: 12h05m00s
